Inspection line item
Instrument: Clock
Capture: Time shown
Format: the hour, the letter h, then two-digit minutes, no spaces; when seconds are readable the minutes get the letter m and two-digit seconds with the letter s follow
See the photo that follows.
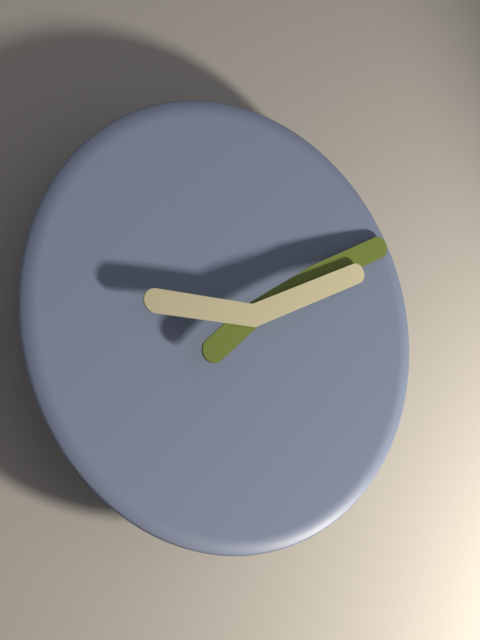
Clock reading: 2h10
